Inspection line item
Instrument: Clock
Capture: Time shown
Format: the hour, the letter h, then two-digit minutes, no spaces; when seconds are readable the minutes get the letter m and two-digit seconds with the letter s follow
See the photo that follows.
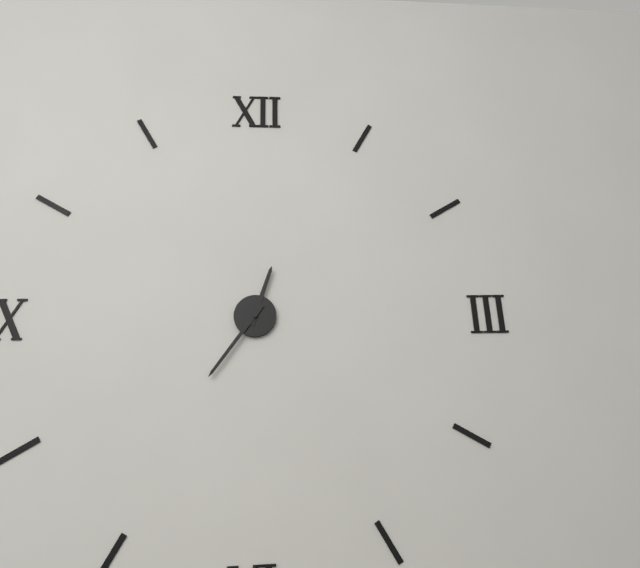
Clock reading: 12h36
